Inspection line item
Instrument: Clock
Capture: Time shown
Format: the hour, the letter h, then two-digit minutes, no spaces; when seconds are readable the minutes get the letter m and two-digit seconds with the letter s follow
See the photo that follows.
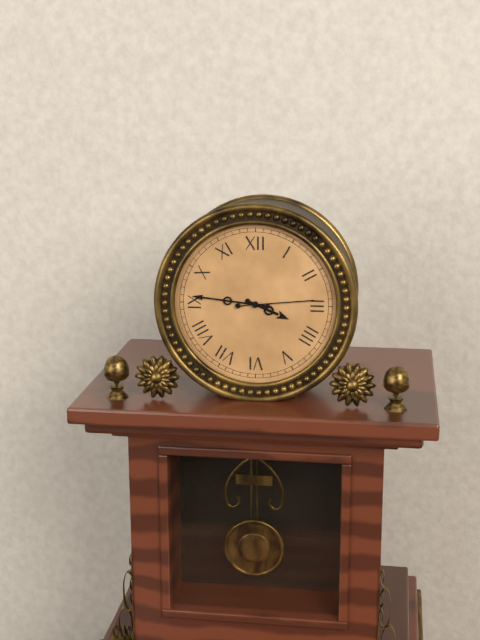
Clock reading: 3h46m14s
